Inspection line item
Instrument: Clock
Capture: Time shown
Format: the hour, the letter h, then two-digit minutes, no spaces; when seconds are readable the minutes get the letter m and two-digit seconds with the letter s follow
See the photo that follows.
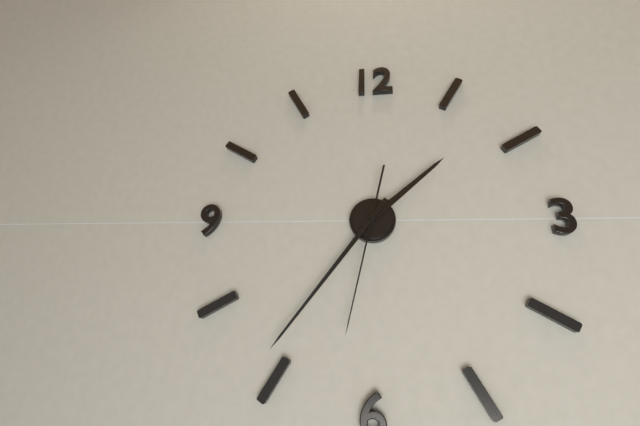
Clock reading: 1h36m32s
